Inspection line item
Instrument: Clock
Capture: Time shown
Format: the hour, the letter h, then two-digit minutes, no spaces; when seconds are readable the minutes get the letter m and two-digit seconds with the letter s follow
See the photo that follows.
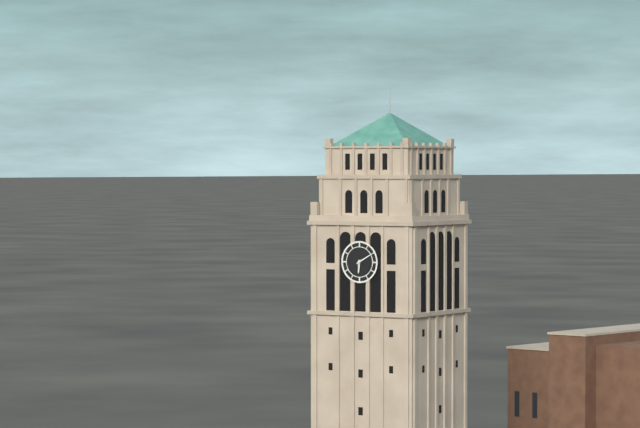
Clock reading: 6h10
